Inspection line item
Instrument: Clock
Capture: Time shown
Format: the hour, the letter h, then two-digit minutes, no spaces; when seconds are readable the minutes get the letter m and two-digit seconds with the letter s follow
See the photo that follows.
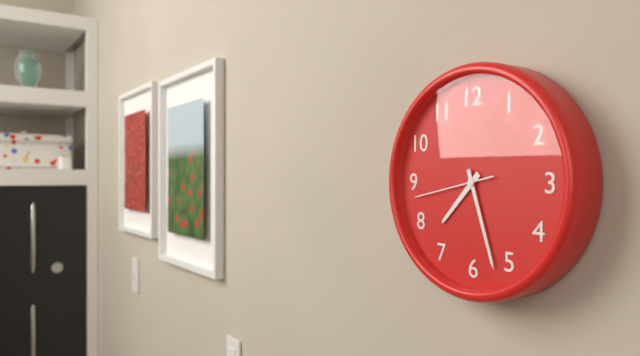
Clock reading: 7h27m43s
